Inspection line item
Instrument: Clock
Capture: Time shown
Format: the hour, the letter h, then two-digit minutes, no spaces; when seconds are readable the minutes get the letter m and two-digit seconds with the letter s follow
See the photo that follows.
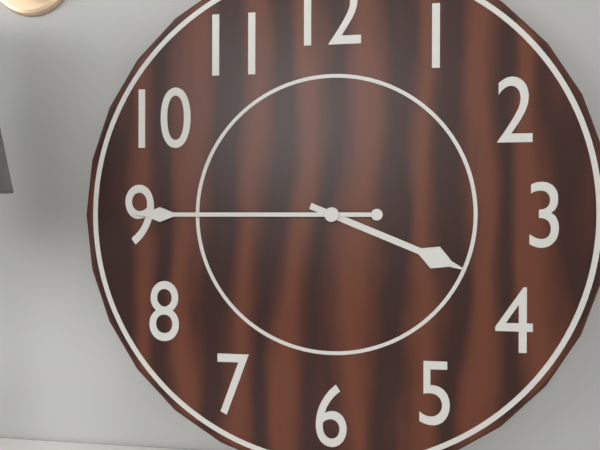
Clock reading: 3h45
